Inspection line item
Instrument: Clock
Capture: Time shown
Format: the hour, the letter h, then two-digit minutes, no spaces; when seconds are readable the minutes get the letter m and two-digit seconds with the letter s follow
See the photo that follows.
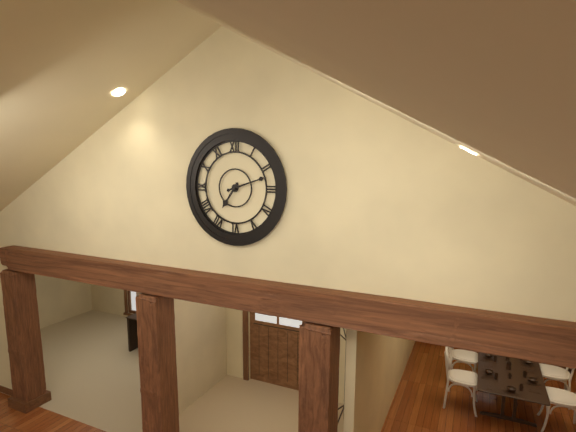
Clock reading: 7h12
